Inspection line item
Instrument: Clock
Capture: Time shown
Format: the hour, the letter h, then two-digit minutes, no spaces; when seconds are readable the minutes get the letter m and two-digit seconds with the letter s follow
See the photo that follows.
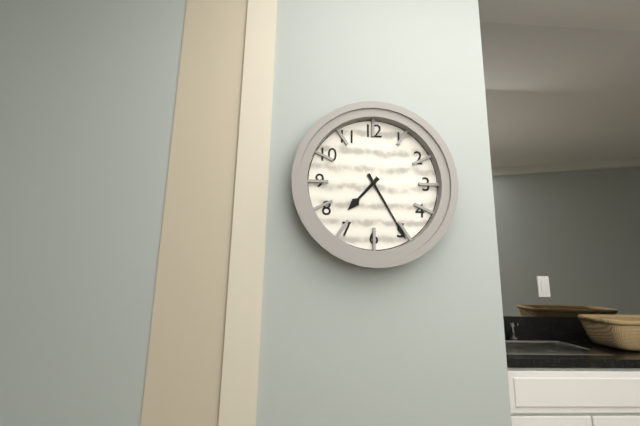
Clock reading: 7h25
